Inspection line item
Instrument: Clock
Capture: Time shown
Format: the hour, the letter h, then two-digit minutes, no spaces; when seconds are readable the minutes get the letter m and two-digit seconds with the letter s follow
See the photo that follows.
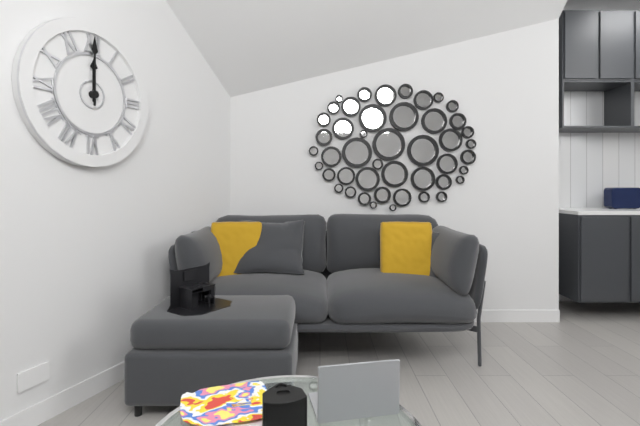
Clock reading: 12h00
